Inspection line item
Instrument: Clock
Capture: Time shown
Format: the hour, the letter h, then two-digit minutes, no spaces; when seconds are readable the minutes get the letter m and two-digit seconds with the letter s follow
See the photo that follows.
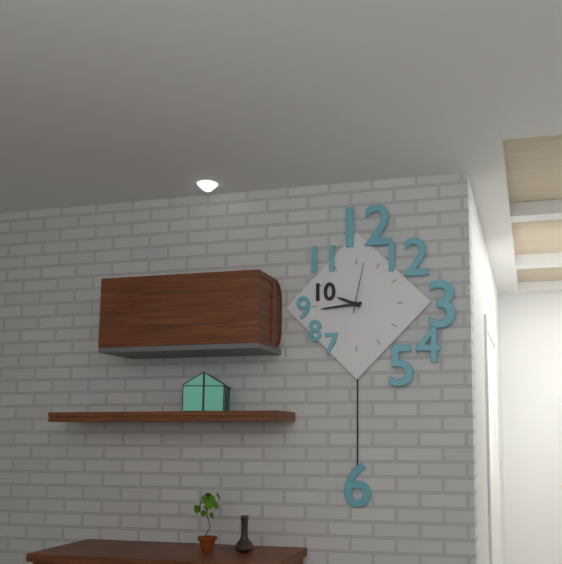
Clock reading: 9h44m02s
